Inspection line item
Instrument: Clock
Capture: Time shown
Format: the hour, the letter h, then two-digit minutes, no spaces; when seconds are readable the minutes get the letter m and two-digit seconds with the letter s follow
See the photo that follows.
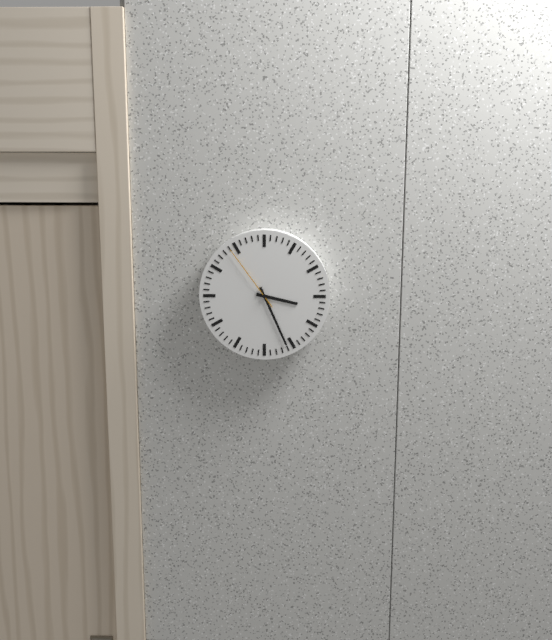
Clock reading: 3h26m54s
